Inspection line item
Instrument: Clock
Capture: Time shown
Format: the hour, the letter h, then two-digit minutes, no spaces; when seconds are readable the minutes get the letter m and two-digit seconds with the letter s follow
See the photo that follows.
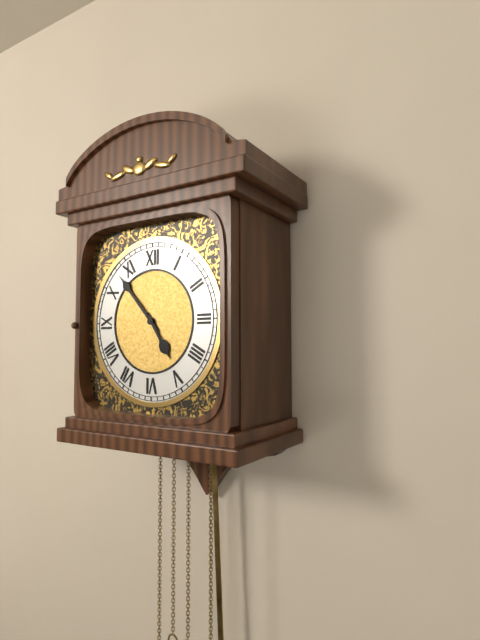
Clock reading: 4h53
